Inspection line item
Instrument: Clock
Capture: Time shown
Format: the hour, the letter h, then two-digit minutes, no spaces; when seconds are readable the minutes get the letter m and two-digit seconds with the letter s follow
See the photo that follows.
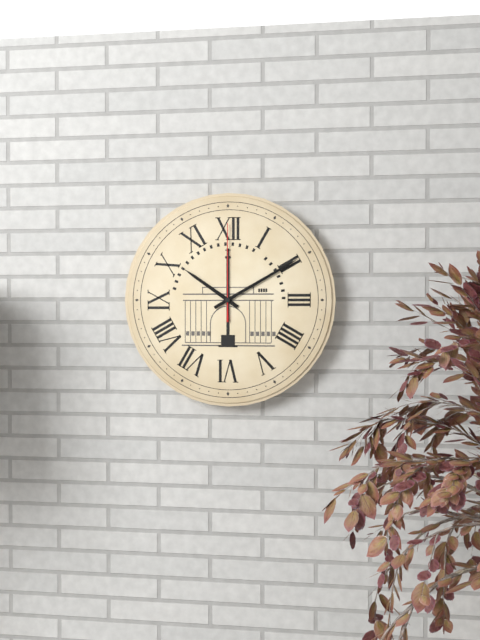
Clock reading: 10h10m00s
